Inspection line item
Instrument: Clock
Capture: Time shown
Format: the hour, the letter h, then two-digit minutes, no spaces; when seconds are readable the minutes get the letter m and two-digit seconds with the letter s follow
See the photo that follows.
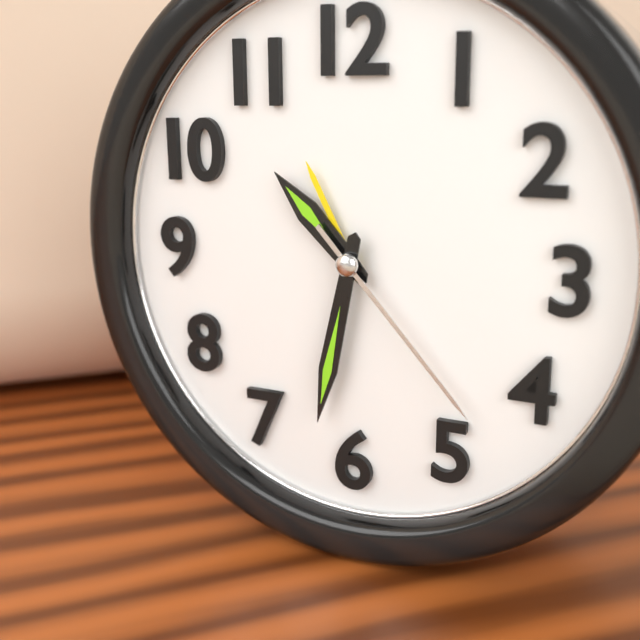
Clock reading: 10h32m23s
